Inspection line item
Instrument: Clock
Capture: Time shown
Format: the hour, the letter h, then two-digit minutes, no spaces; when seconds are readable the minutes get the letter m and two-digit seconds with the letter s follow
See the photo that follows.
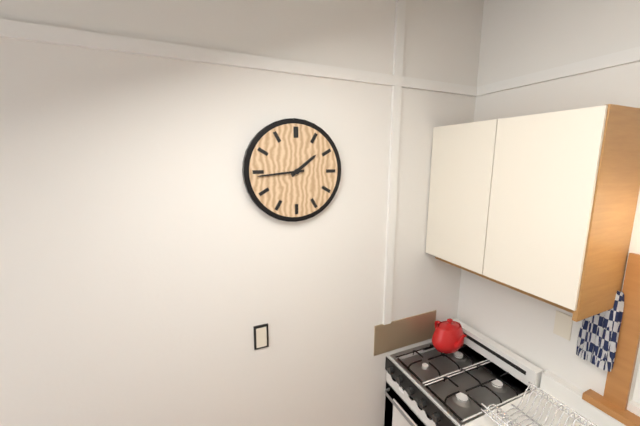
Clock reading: 1h44
